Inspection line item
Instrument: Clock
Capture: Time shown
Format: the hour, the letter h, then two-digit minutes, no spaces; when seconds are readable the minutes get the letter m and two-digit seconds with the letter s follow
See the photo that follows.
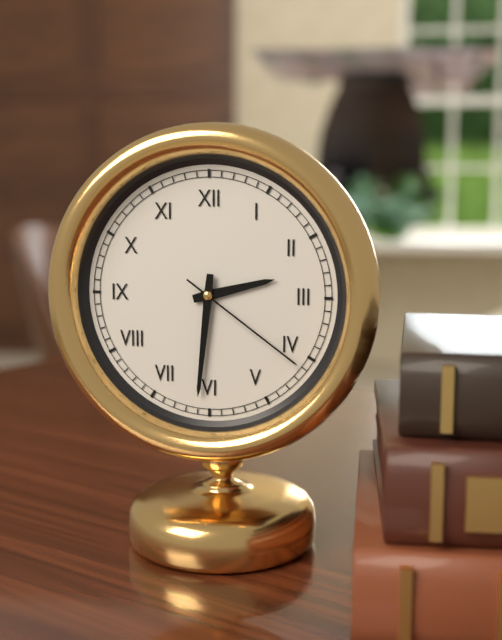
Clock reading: 2h31m21s
